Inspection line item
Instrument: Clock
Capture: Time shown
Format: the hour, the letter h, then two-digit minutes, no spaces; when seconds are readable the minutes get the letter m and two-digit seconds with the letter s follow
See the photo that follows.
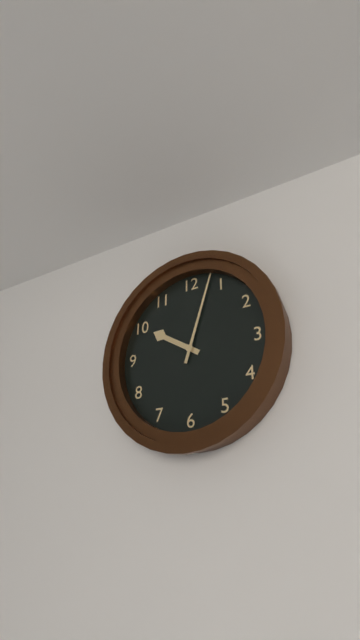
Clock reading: 10h03
